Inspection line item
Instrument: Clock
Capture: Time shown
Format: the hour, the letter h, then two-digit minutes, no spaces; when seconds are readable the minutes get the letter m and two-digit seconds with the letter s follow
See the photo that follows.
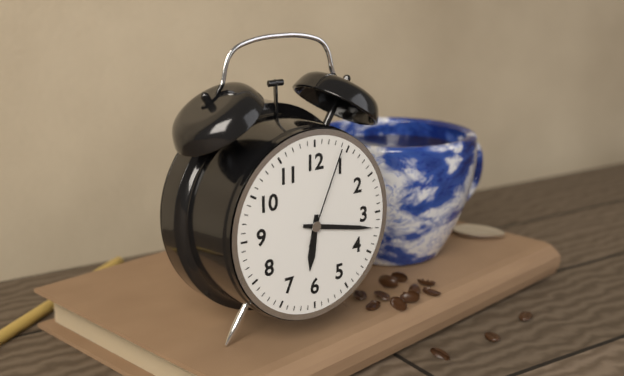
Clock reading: 6h17m04s
